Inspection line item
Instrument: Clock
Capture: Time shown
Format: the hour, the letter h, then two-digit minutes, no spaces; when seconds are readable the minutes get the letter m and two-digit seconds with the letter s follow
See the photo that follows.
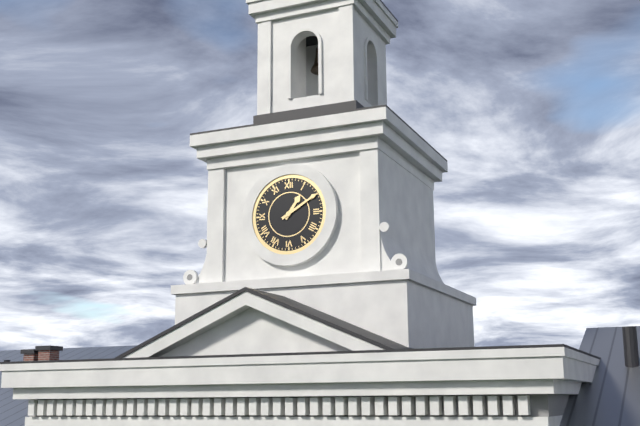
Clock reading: 1h10
